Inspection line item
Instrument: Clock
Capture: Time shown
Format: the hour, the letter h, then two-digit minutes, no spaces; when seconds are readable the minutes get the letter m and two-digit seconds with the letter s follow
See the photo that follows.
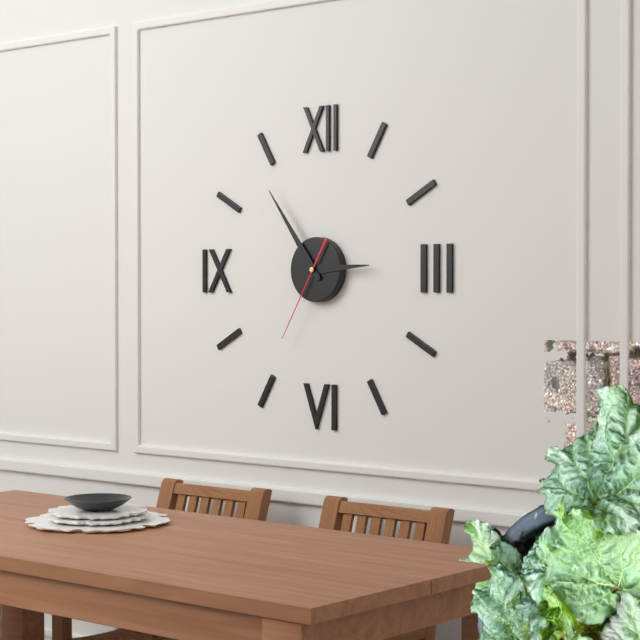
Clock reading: 2h54m35s
